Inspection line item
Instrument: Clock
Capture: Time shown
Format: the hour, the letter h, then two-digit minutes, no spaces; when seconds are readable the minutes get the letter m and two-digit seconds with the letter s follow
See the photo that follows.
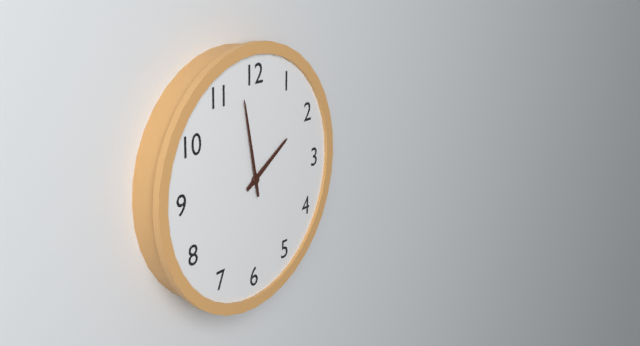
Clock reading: 1h58
